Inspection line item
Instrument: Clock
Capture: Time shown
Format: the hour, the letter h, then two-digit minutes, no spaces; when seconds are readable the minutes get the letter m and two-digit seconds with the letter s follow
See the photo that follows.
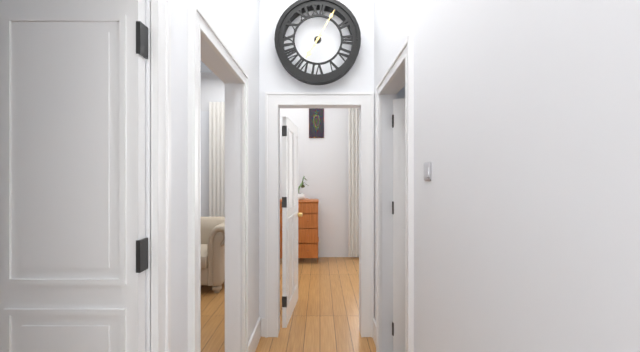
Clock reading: 7h05
